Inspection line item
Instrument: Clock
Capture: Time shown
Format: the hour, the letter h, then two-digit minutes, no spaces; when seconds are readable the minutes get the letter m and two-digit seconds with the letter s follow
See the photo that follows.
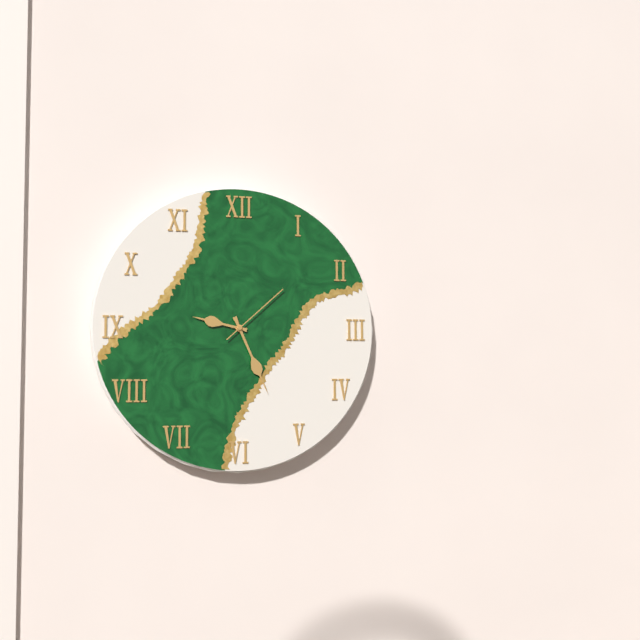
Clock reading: 9h26m08s
